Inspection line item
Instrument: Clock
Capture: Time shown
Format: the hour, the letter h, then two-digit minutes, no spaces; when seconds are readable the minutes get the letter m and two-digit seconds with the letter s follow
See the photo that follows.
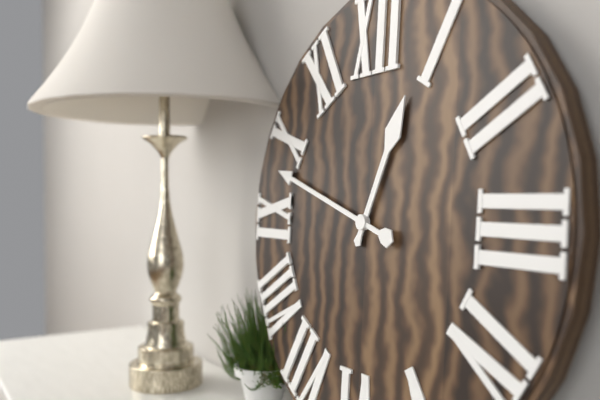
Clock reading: 12h48
